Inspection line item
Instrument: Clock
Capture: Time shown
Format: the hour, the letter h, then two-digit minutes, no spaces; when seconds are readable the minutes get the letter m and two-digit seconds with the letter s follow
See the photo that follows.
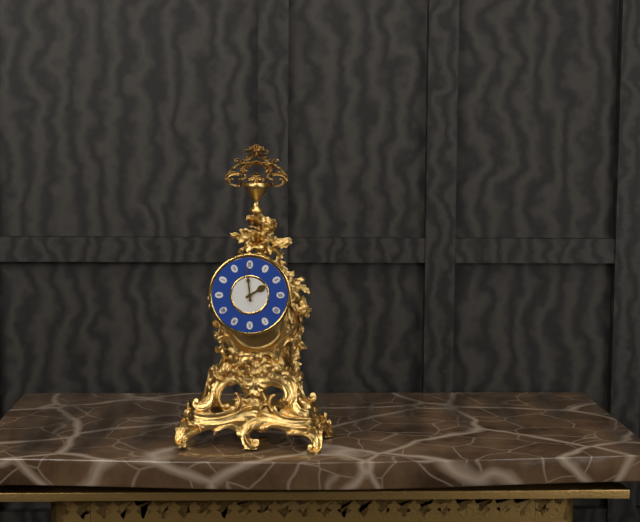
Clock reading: 1h59
